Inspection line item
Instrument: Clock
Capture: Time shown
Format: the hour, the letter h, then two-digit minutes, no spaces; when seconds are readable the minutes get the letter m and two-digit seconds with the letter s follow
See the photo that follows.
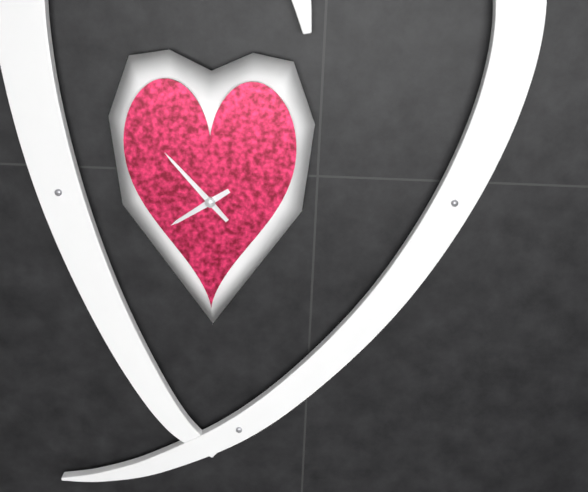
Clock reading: 7h53
